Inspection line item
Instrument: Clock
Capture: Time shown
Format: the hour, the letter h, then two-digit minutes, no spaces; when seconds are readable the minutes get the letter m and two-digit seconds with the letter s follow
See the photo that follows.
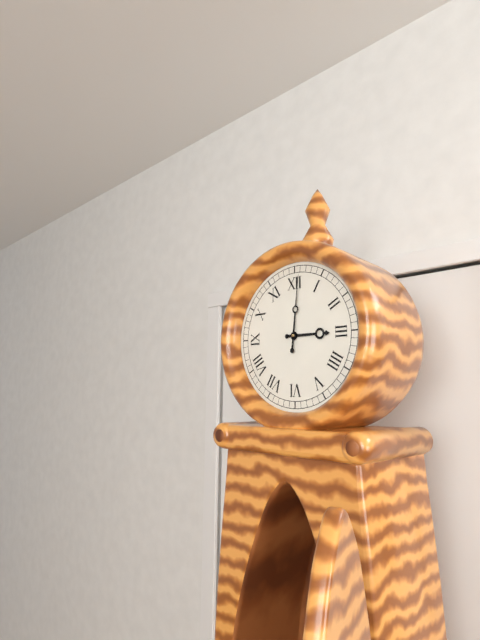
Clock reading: 3h01
